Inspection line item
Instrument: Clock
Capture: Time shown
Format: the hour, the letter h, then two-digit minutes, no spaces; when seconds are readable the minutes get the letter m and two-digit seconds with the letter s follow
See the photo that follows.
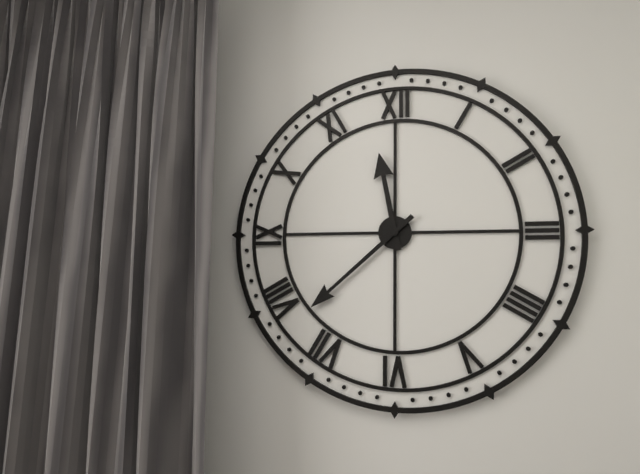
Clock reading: 11h38
